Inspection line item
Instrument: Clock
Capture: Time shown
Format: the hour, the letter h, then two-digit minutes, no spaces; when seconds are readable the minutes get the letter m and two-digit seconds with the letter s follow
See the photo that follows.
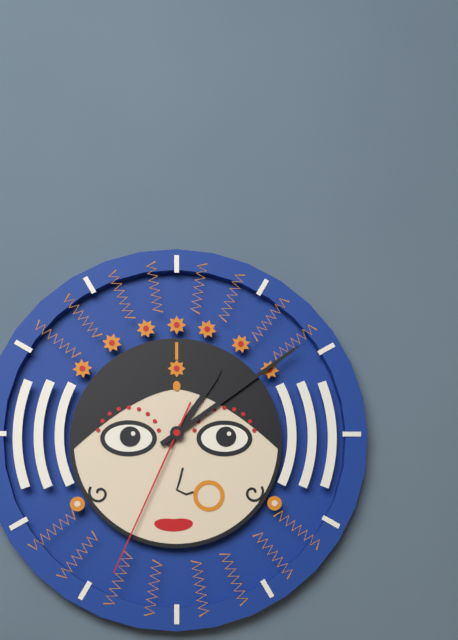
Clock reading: 1h09m34s
